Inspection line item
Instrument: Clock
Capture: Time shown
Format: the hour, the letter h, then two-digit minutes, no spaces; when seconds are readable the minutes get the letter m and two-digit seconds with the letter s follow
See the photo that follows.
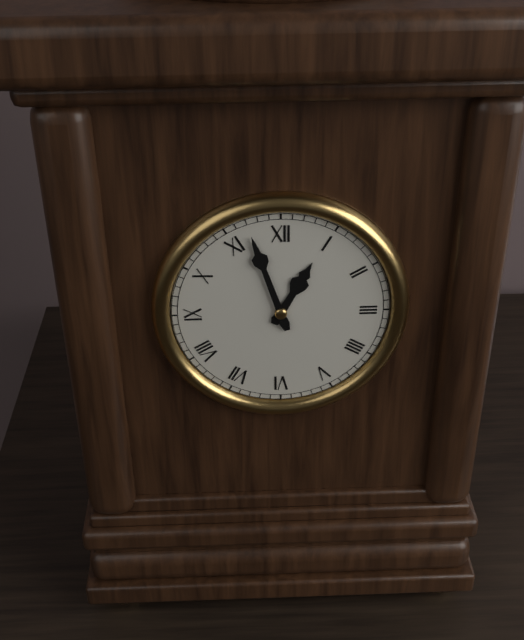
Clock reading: 12h57
